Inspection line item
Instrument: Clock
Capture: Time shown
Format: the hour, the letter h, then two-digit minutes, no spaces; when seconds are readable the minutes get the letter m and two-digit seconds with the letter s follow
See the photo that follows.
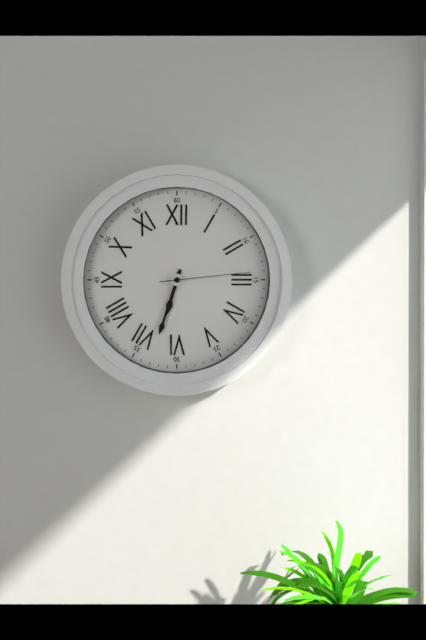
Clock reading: 6h33m14s
